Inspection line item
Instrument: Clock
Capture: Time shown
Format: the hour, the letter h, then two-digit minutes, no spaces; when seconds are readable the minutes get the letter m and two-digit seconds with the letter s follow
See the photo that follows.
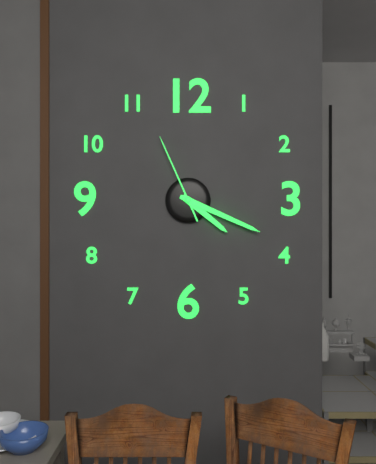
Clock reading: 4h19m56s
